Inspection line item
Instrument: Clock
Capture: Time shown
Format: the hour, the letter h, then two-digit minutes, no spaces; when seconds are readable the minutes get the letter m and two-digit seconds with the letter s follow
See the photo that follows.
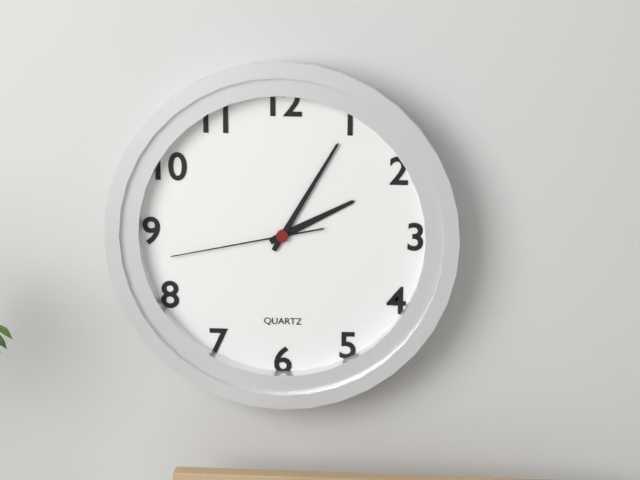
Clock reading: 2h05m43s
